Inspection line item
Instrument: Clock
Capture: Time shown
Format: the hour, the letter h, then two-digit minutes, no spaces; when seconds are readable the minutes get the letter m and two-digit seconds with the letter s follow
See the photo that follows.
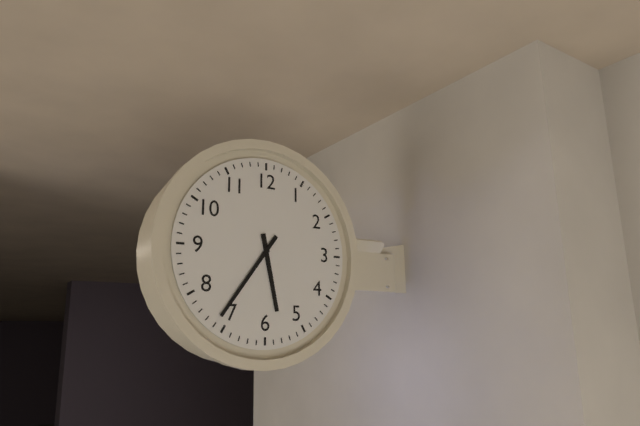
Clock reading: 5h36
